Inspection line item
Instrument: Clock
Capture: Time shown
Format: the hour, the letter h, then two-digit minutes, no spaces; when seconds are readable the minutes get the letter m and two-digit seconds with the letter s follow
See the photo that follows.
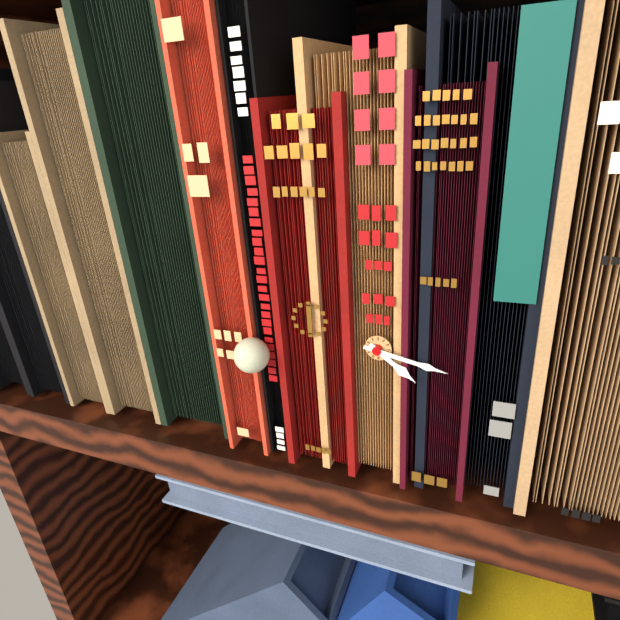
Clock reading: 4h17
